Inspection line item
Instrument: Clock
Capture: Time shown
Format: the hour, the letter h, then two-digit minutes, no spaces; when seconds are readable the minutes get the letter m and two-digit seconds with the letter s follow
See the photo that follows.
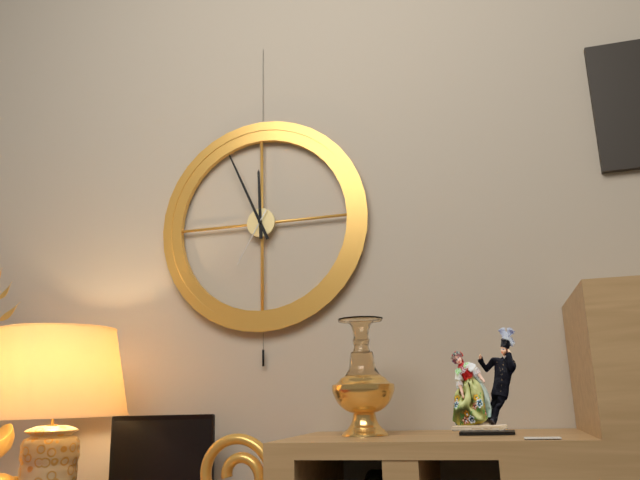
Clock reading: 11h56m35s
